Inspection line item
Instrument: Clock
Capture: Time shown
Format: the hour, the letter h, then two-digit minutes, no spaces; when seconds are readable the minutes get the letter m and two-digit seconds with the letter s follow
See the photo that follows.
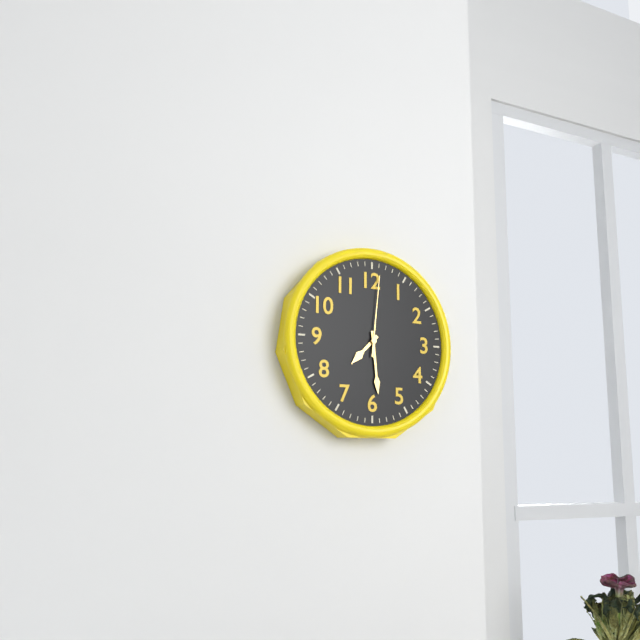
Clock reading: 7h29m01s
